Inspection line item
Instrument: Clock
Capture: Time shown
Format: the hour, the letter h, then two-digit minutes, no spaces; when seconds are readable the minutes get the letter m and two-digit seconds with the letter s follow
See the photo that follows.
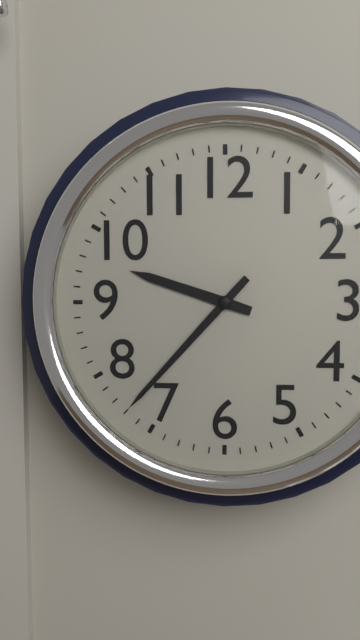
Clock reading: 9h37
